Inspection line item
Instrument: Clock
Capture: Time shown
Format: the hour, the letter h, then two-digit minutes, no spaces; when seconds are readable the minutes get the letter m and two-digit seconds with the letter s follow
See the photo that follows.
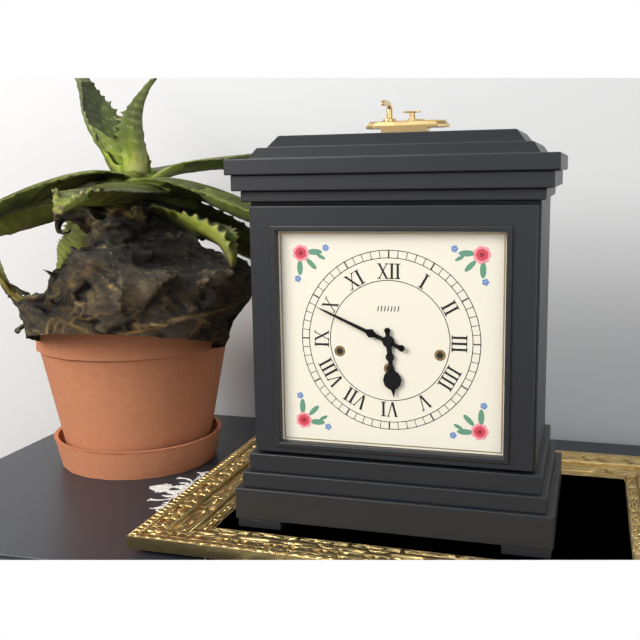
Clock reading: 5h49
